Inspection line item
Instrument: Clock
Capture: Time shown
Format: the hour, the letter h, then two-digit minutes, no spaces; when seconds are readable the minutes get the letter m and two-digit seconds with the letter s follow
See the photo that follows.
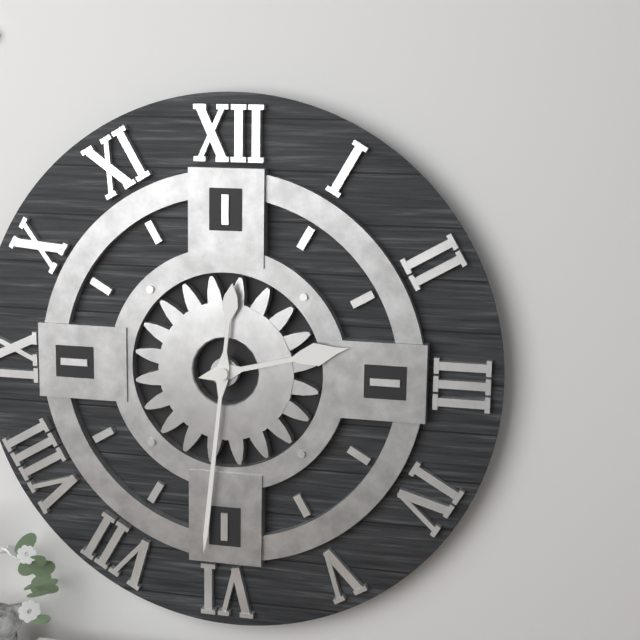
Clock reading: 2h31
